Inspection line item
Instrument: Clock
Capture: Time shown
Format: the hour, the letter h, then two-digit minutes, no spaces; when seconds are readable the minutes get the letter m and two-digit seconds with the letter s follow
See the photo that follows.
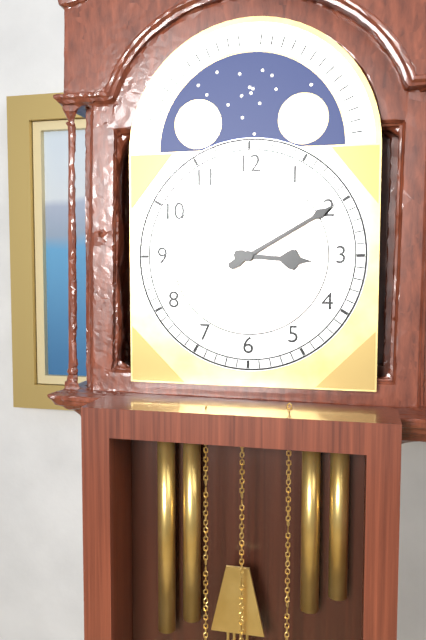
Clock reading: 3h10
